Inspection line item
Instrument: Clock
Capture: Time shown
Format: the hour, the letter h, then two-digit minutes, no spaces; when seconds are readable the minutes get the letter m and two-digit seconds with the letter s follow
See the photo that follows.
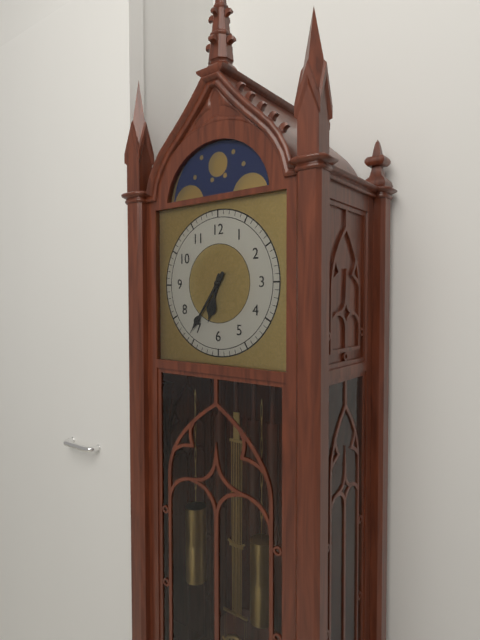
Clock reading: 6h36
